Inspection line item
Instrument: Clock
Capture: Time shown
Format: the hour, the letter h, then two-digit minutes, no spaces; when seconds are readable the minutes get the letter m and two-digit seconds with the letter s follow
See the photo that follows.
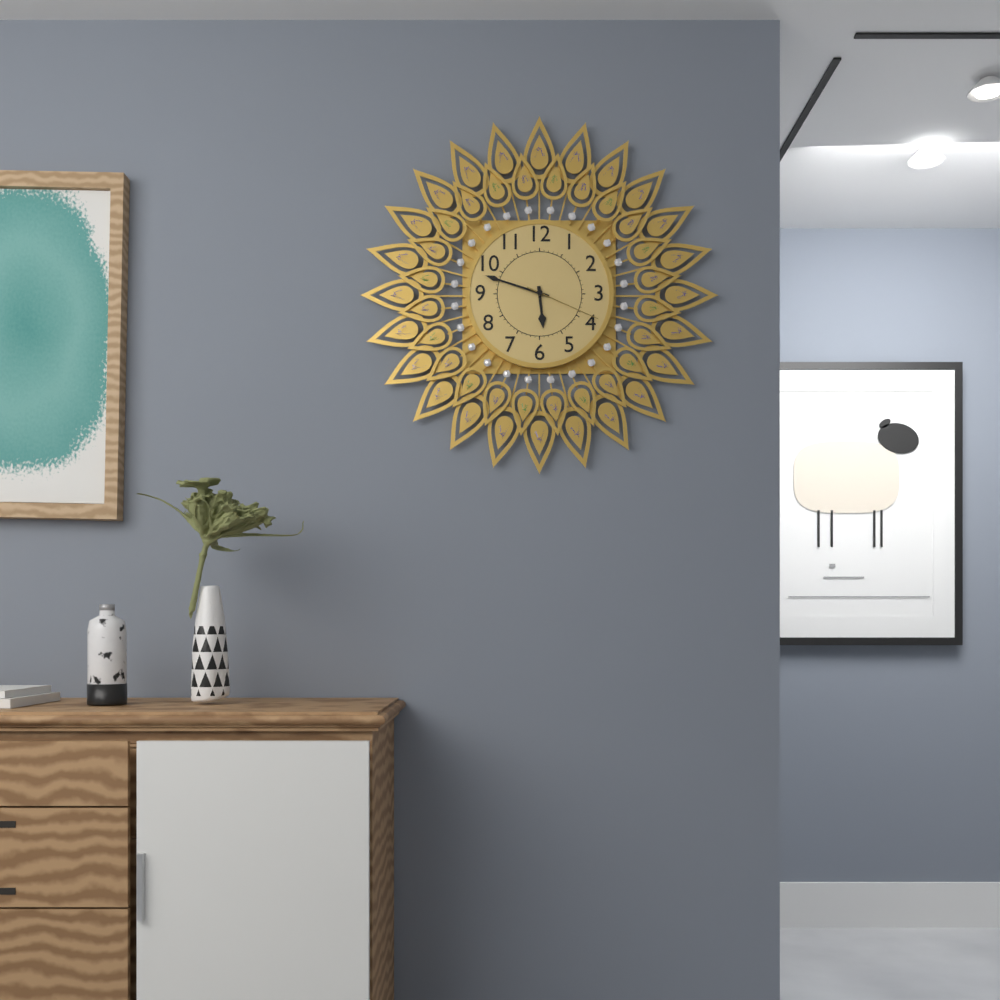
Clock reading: 5h48m19s
